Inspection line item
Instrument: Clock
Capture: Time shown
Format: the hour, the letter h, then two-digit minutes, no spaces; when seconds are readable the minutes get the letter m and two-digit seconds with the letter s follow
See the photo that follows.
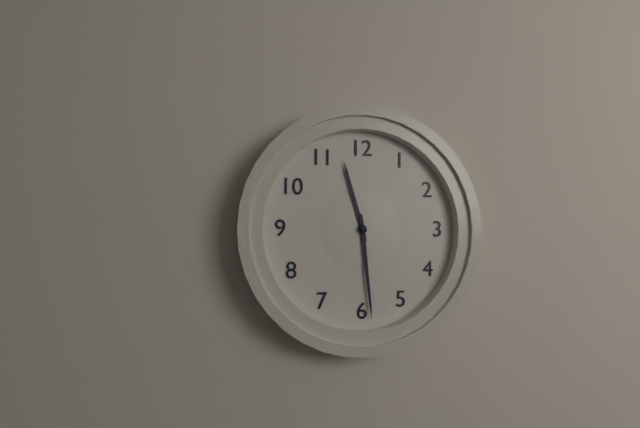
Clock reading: 11h29
